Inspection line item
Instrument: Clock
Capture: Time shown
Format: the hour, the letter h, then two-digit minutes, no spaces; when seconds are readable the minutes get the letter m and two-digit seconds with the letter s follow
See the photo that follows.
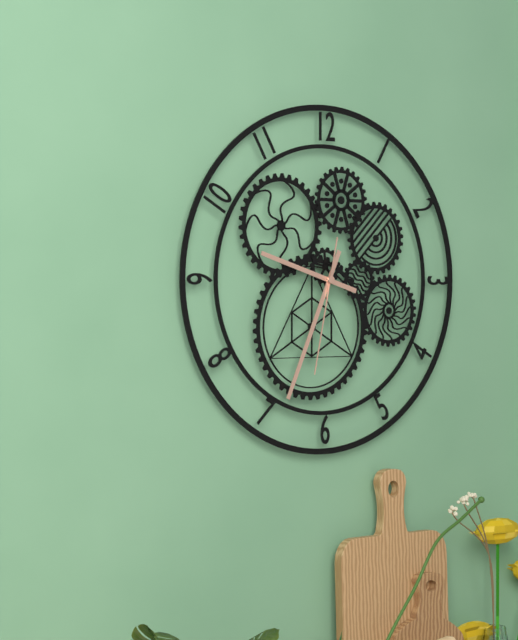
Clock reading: 9h34m32s
